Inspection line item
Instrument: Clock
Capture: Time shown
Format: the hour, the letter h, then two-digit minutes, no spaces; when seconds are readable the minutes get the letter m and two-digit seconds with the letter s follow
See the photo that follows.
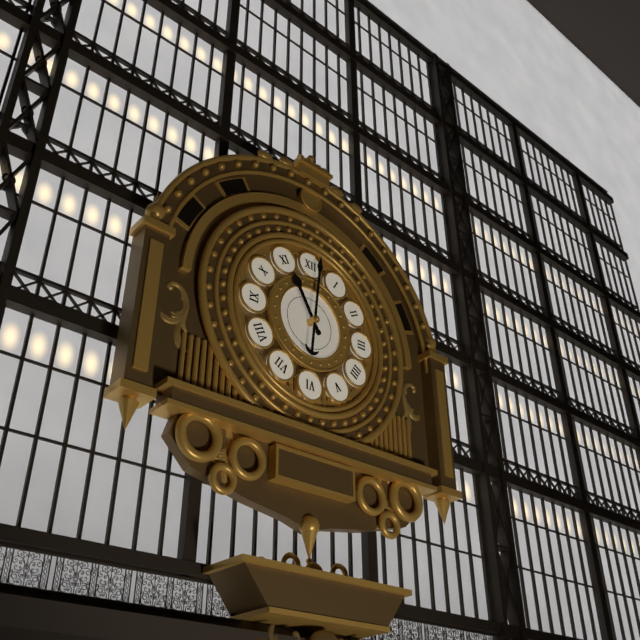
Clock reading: 11h01
